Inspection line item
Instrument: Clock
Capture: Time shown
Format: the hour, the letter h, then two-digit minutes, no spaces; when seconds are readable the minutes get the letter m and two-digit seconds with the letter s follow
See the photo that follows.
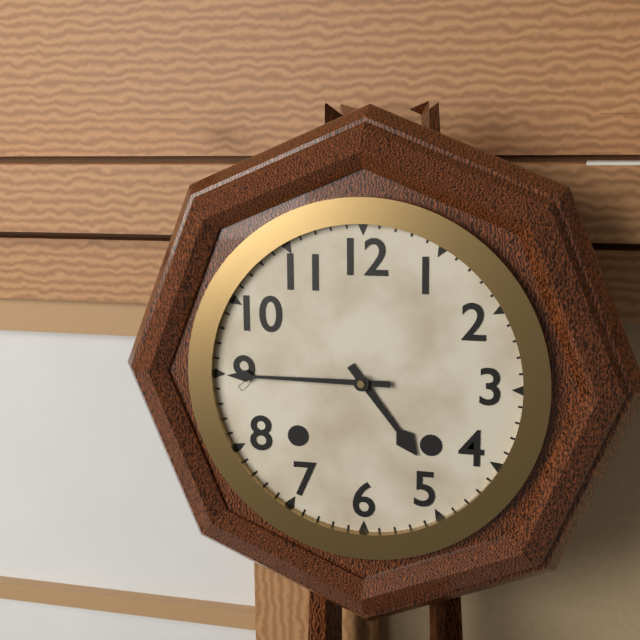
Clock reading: 4h45
